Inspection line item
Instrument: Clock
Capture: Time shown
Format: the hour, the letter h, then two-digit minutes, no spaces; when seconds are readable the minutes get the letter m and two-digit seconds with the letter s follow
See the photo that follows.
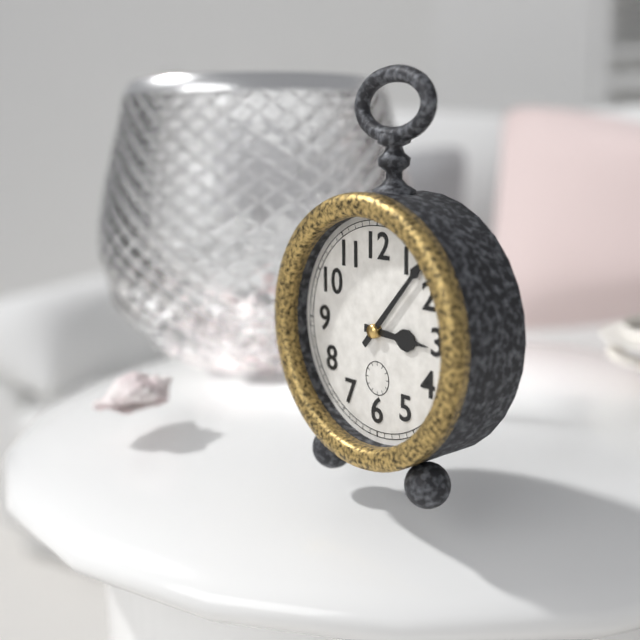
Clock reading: 3h07
